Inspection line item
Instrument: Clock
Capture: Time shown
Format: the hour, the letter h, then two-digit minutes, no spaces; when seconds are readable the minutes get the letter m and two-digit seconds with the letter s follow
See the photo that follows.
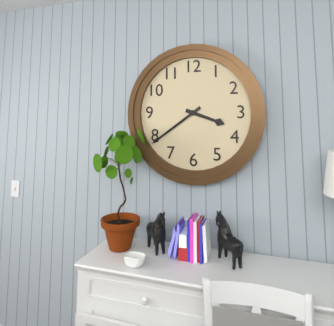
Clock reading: 3h39
